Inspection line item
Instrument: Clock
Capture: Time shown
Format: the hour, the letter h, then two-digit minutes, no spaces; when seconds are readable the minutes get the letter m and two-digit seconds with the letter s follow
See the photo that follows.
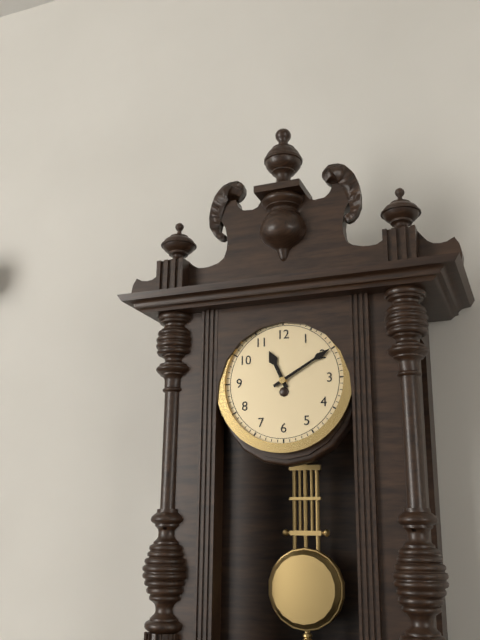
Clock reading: 11h10
